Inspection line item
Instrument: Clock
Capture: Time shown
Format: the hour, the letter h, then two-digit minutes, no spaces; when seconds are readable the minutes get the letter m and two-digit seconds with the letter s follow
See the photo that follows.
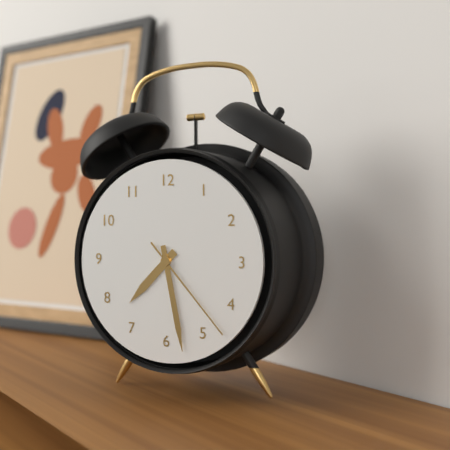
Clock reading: 7h28m23s
